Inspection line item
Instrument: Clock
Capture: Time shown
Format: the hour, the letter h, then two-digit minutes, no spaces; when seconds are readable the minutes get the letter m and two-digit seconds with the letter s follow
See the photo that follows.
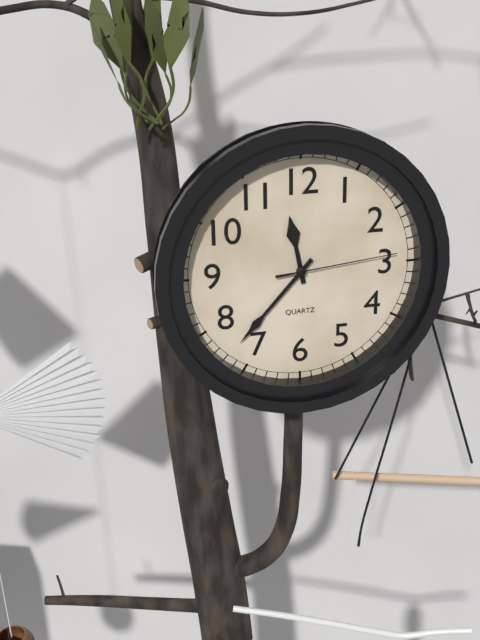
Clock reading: 11h37m14s
